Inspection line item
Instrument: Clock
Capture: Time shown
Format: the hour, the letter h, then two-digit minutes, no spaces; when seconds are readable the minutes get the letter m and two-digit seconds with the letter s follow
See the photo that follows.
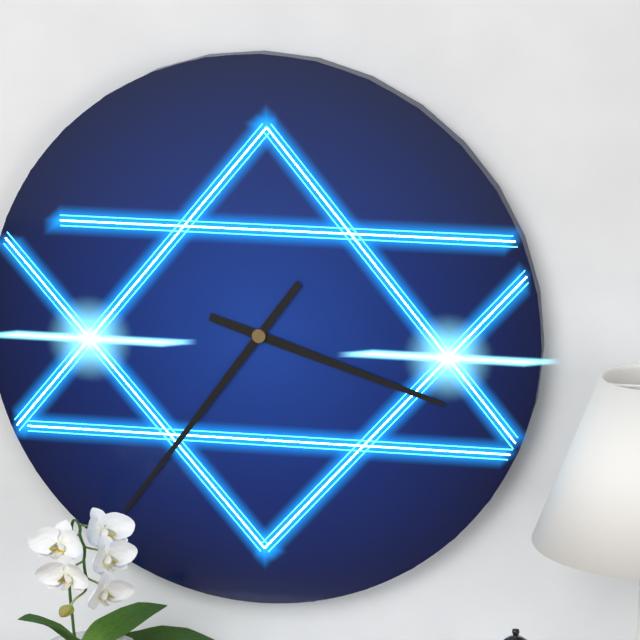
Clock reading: 3h36
